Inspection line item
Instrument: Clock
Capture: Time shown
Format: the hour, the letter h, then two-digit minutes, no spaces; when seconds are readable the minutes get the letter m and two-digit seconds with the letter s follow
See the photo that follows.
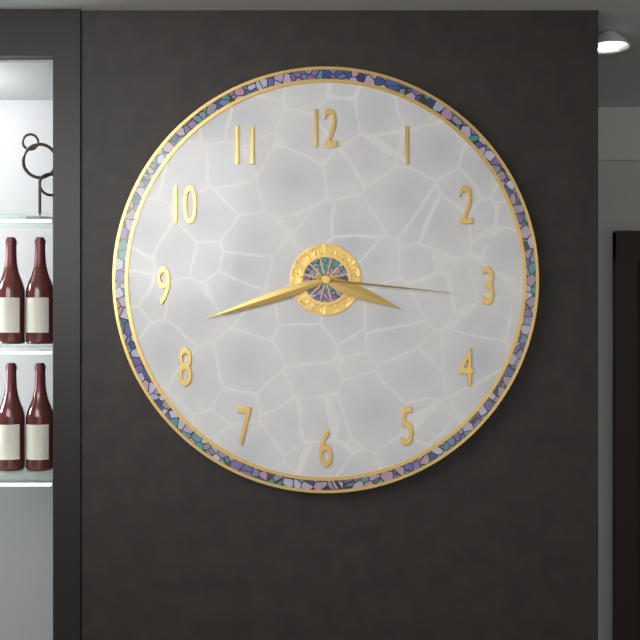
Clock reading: 3h42m16s
